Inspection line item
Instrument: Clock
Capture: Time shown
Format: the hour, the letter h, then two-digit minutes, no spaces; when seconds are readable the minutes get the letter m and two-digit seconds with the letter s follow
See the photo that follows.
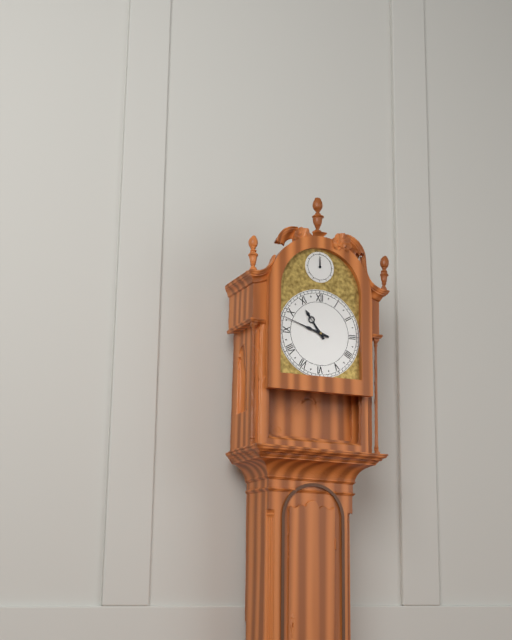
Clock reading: 10h48
